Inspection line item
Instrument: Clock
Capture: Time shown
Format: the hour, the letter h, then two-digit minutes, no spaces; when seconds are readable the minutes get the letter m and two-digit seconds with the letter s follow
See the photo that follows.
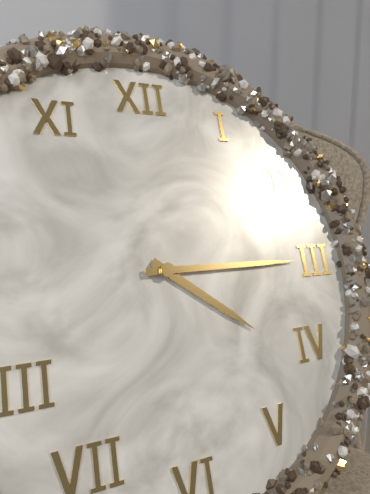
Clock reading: 4h15
